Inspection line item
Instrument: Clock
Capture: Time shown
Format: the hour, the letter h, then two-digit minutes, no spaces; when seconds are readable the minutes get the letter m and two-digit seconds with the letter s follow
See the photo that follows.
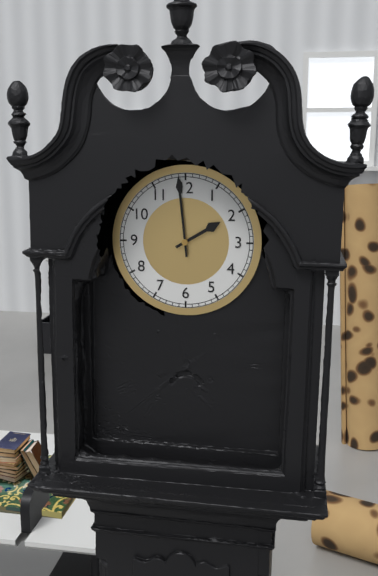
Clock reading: 1h59
